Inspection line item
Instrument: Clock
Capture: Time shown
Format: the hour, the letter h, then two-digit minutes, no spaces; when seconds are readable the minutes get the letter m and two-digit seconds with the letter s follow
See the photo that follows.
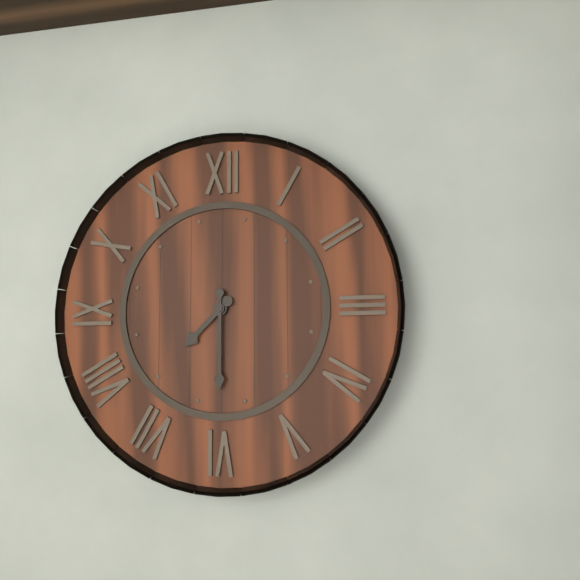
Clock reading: 7h30
